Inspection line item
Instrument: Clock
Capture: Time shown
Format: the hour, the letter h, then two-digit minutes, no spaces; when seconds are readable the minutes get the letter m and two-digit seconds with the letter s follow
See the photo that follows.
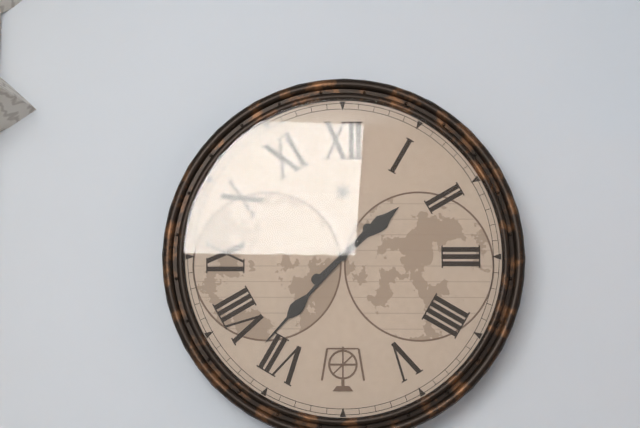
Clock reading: 1h37
